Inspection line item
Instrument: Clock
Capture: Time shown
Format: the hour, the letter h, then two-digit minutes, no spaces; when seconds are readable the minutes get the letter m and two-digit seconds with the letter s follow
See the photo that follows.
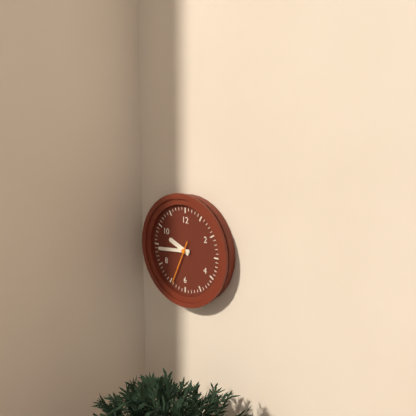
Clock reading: 9h44
